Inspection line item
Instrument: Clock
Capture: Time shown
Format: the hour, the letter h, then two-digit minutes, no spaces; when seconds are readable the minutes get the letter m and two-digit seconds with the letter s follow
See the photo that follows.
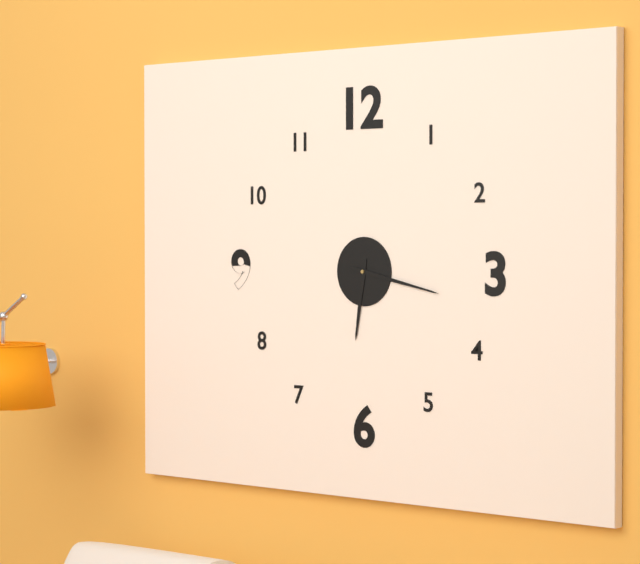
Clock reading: 6h17
